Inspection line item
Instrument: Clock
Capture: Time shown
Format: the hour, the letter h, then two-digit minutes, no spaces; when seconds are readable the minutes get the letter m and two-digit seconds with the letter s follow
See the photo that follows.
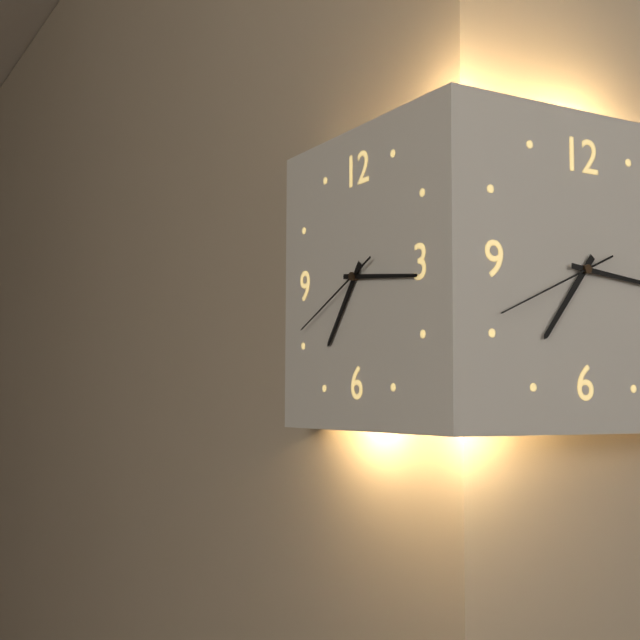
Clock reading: 7h16m41s
